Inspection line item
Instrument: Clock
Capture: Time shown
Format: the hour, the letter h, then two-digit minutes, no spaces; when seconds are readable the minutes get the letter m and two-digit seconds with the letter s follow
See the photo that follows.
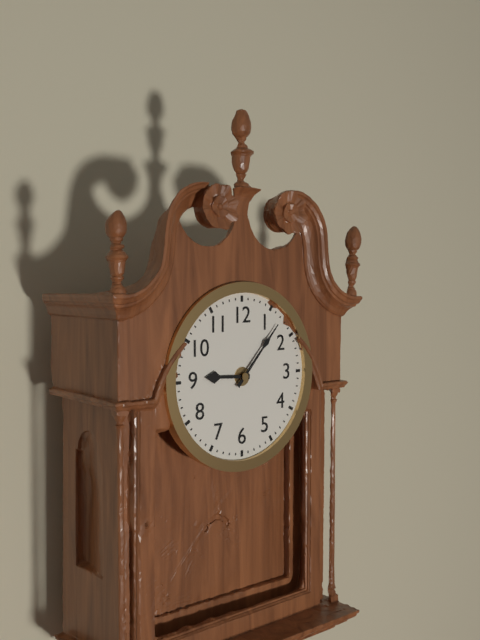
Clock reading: 9h07
